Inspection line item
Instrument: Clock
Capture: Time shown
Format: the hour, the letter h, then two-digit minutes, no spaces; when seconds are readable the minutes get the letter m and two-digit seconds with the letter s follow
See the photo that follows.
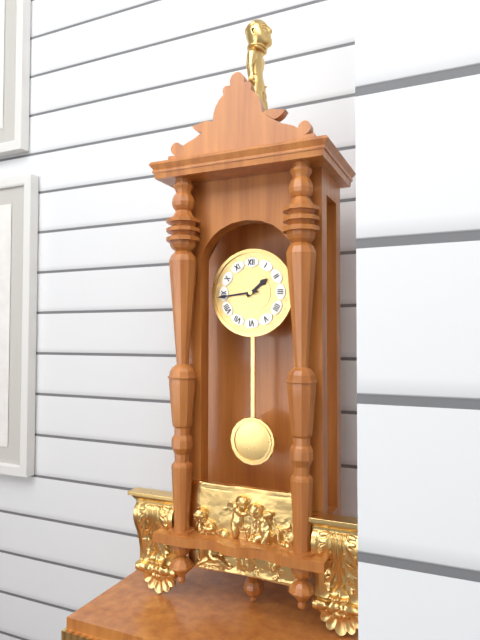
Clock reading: 1h44
